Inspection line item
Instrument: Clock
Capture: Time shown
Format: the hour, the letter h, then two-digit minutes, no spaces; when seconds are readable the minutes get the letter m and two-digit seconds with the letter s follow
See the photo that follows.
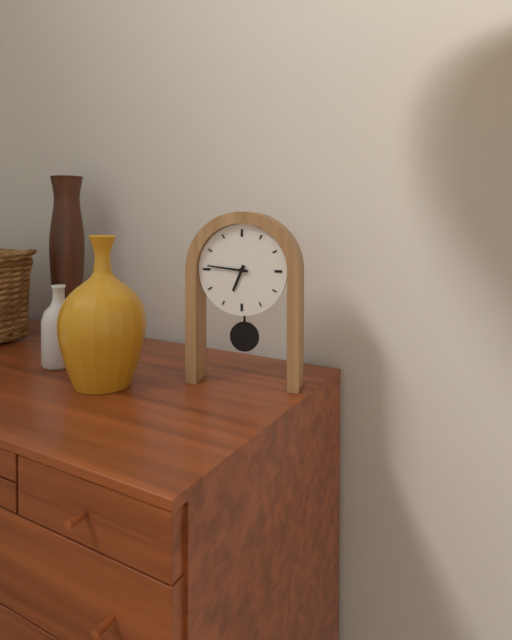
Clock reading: 6h46
